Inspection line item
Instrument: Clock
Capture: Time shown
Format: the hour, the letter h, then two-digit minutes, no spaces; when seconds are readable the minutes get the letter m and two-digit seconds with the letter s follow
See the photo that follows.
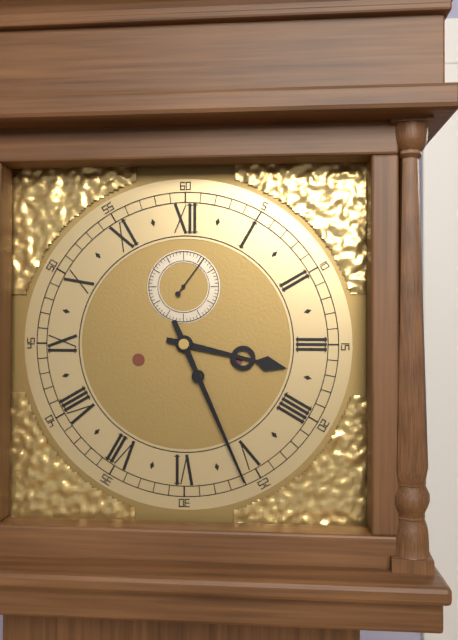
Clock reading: 3h26
